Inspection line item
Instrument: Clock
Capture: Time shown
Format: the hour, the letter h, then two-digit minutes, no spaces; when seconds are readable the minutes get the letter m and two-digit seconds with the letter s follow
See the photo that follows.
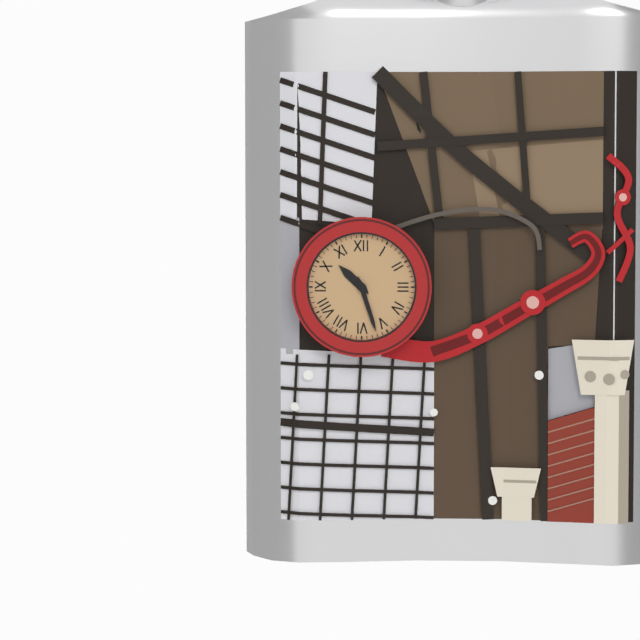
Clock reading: 10h27
